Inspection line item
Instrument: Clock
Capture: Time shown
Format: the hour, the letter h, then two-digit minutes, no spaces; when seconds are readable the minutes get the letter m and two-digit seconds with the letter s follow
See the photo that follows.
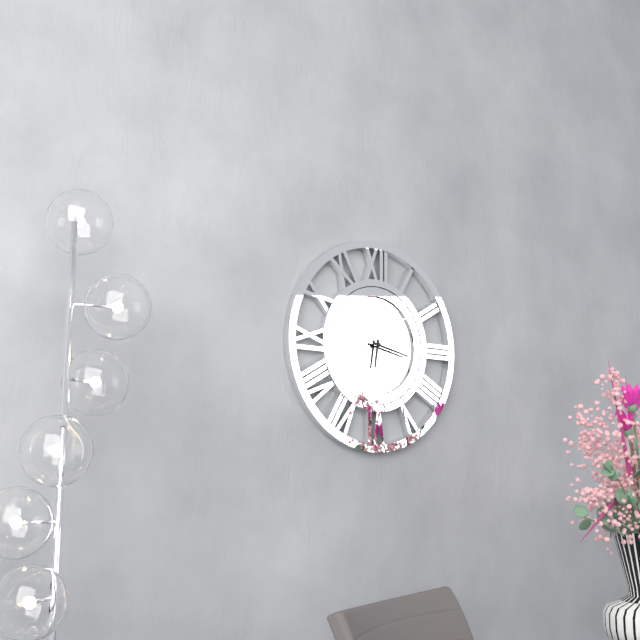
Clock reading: 6h17
